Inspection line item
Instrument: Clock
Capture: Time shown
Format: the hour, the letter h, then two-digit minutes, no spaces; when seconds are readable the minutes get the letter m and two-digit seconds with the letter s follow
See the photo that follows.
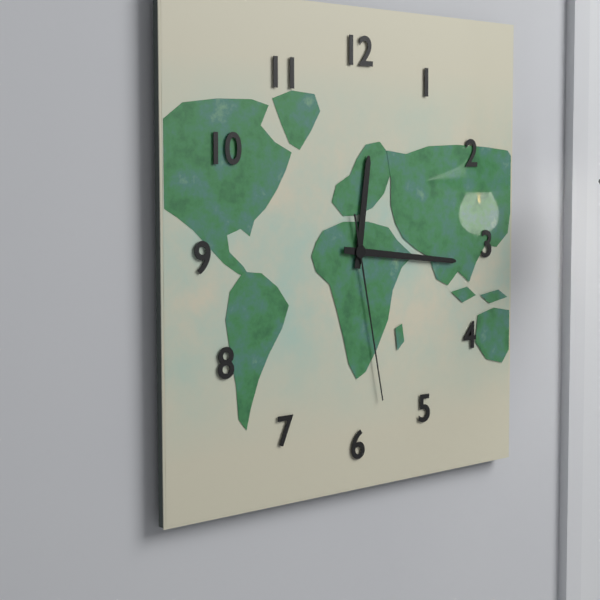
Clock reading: 12h16m28s
